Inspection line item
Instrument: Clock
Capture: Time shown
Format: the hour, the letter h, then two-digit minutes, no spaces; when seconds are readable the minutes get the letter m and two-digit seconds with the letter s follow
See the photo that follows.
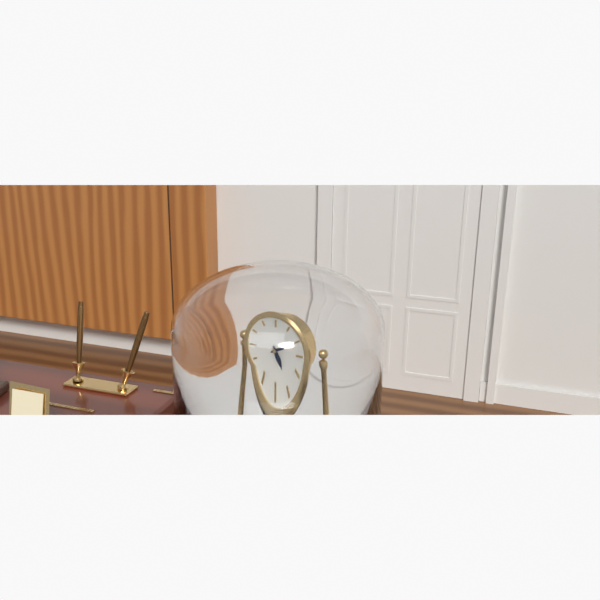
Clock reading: 5h10
